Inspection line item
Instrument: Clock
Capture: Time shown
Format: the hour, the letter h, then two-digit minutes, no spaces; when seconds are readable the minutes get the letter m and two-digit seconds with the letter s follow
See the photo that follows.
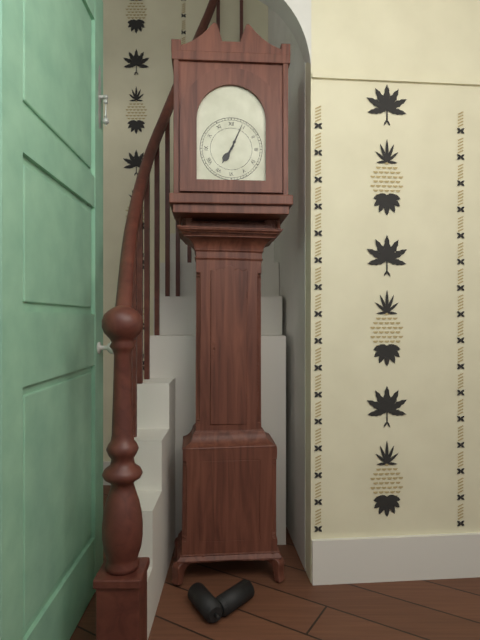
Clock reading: 7h04
